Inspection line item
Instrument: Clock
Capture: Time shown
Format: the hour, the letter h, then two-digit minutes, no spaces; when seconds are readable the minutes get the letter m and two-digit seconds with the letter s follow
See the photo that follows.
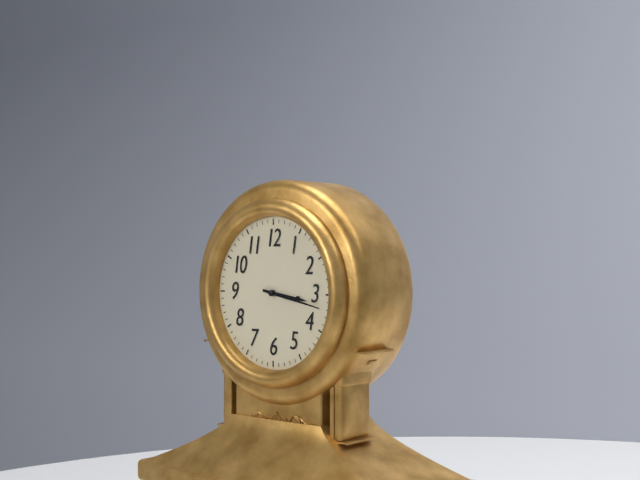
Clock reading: 3h17
